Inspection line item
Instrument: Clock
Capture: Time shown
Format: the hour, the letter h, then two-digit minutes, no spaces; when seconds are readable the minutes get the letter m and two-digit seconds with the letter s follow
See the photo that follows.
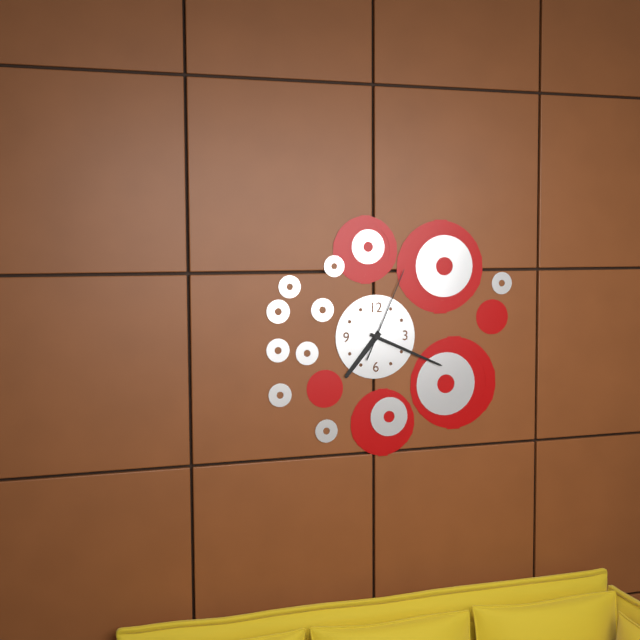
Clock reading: 7h19m04s
